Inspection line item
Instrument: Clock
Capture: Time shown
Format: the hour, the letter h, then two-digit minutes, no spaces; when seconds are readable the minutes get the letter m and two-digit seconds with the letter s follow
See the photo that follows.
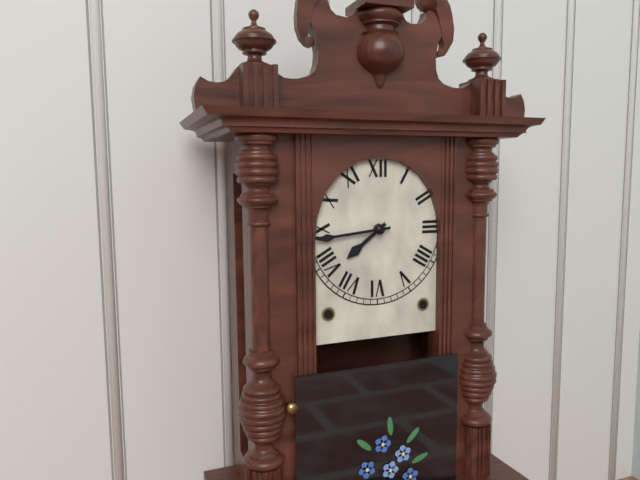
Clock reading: 7h44
